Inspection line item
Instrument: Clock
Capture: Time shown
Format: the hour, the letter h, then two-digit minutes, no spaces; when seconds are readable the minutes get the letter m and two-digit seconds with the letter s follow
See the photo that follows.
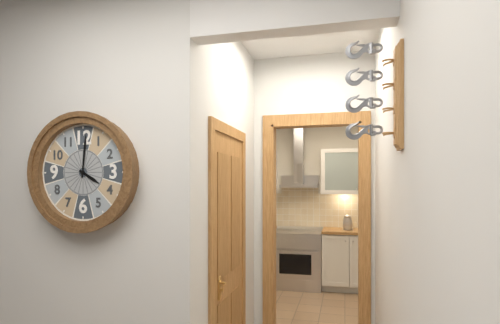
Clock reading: 4h01
